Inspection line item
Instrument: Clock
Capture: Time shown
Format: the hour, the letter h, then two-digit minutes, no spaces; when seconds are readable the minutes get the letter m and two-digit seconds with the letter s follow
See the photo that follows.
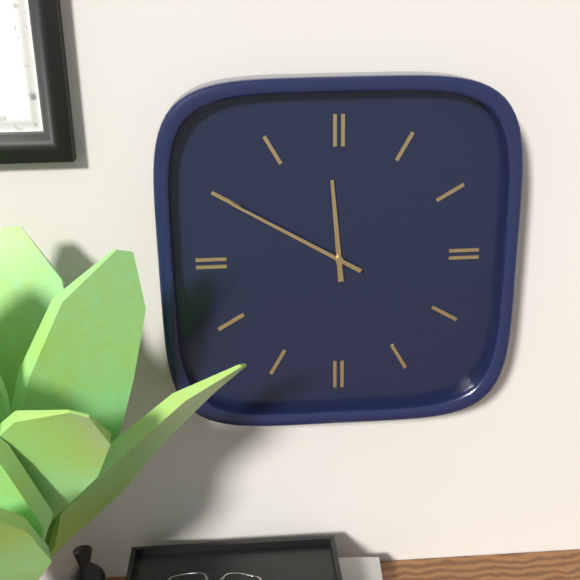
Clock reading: 11h50
